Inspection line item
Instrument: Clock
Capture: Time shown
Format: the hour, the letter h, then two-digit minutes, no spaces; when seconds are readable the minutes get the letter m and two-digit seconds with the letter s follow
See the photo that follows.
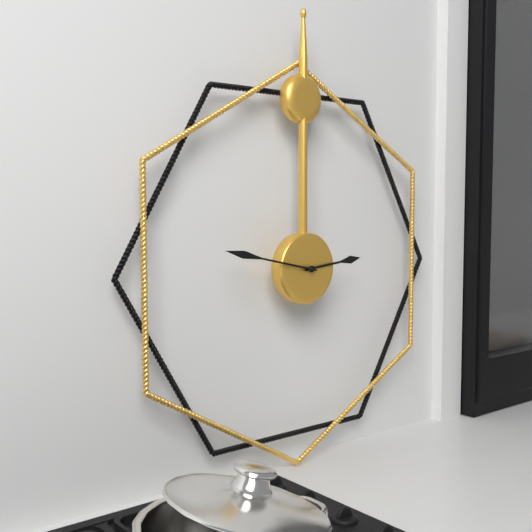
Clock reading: 2h47
